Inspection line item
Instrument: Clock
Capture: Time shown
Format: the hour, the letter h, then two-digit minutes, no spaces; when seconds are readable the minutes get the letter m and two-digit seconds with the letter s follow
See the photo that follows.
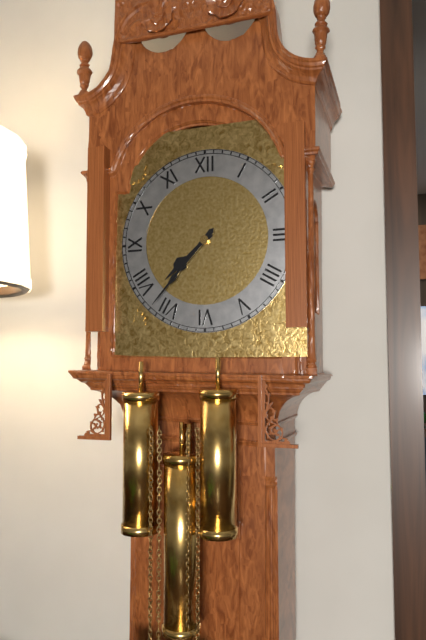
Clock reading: 7h37
